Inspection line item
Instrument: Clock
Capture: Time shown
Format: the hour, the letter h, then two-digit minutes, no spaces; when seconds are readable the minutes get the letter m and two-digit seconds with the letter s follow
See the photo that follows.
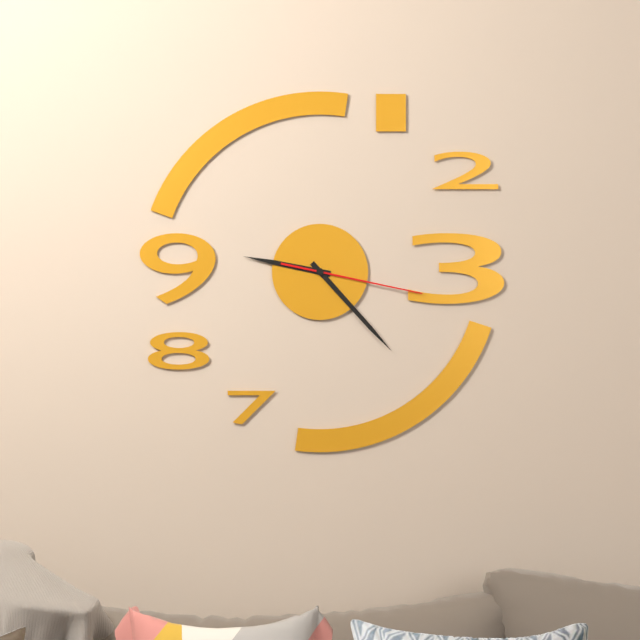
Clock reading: 9h23m17s
